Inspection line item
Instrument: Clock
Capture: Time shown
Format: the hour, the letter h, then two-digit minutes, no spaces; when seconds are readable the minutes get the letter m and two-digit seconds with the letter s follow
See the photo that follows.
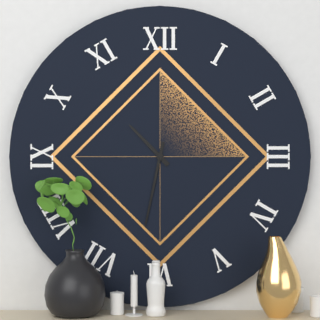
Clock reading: 10h32
